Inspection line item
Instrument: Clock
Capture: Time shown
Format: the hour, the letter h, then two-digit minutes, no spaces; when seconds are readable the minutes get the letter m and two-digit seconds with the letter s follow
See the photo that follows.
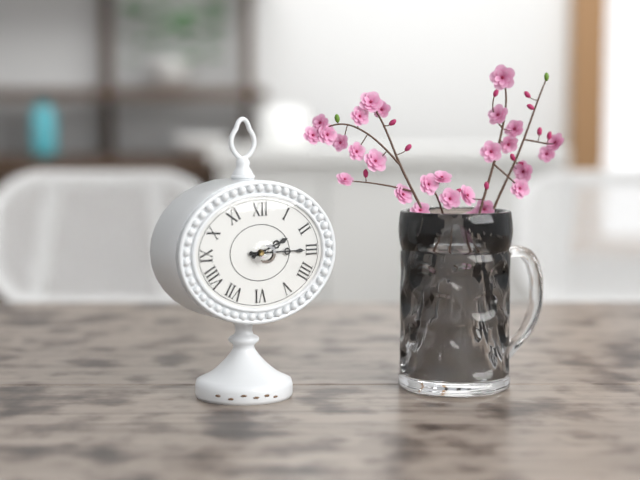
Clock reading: 2h15
